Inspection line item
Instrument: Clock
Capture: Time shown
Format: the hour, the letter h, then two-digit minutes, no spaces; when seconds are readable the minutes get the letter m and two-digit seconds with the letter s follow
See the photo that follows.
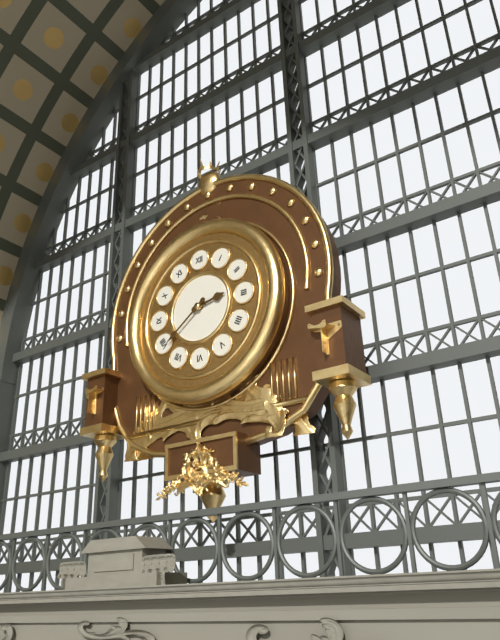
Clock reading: 2h39
